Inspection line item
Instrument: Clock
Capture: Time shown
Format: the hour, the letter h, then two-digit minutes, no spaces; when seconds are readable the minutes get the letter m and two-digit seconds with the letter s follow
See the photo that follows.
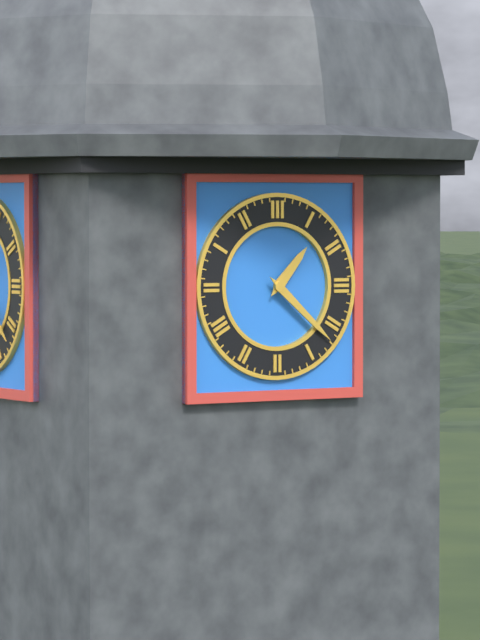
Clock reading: 1h22
